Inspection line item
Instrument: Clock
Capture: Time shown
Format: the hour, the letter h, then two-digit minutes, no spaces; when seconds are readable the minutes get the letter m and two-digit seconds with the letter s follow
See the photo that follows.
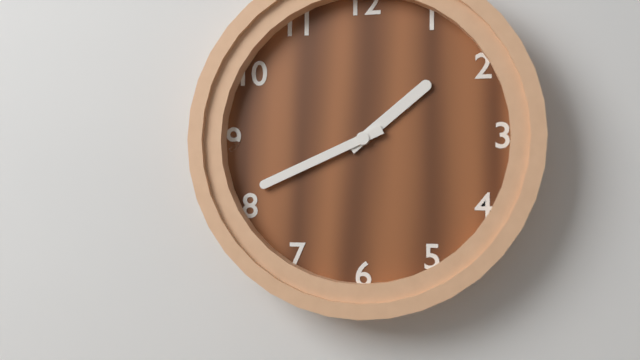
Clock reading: 1h41
